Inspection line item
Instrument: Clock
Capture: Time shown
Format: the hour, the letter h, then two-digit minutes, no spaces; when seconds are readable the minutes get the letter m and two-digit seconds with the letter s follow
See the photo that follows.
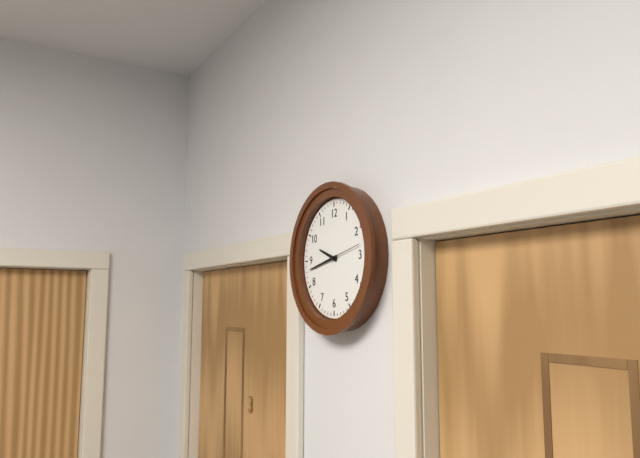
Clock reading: 9h43
